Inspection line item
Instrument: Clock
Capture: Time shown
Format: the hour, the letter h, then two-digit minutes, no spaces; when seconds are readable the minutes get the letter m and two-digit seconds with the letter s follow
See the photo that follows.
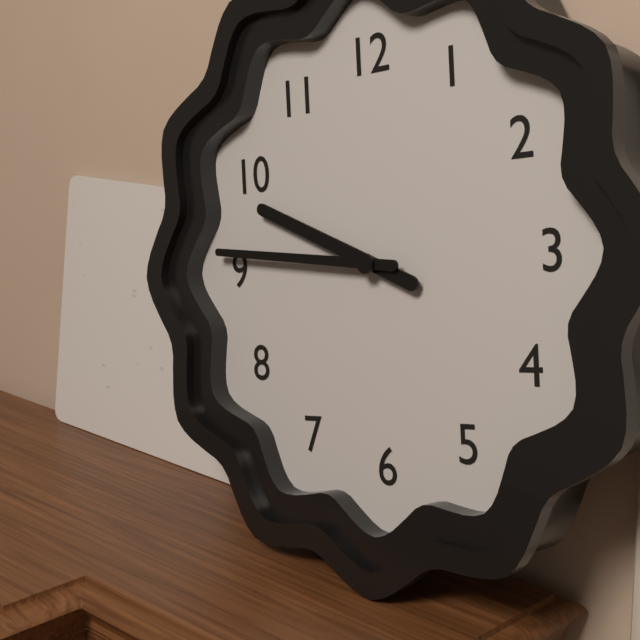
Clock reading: 9h46
